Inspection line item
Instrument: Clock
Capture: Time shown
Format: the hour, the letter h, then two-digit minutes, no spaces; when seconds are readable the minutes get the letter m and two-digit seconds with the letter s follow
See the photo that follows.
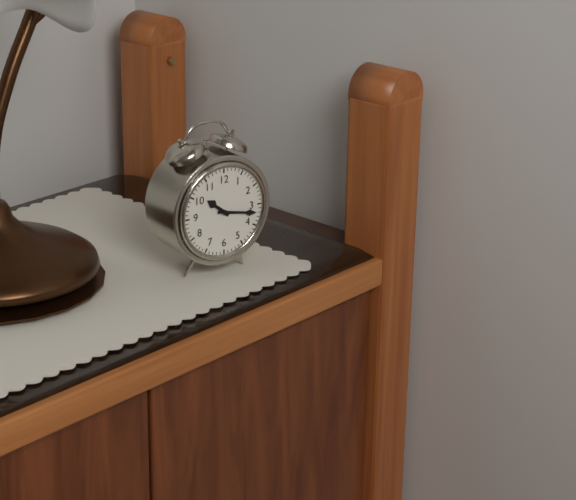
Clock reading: 10h17
